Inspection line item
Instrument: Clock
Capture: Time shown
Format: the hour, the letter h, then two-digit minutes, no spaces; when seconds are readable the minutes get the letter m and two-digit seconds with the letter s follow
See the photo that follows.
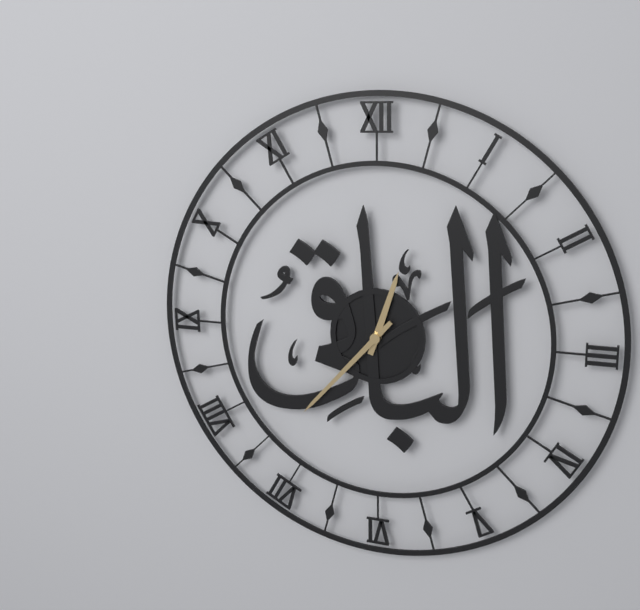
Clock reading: 12h37
